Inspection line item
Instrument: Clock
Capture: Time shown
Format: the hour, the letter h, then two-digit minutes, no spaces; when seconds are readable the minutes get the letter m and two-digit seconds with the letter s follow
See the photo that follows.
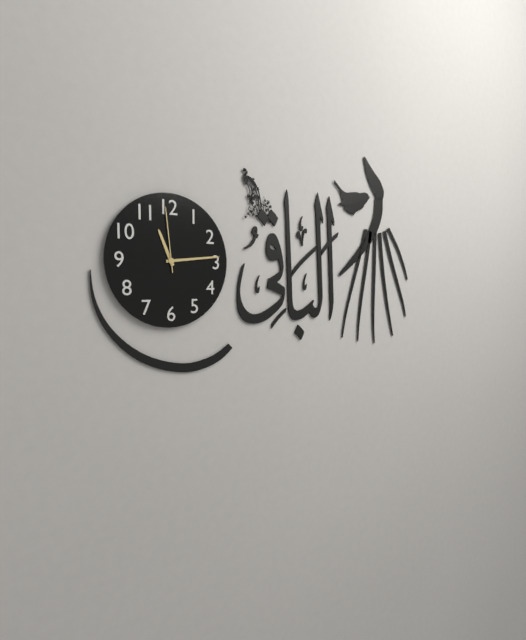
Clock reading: 11h14m59s
